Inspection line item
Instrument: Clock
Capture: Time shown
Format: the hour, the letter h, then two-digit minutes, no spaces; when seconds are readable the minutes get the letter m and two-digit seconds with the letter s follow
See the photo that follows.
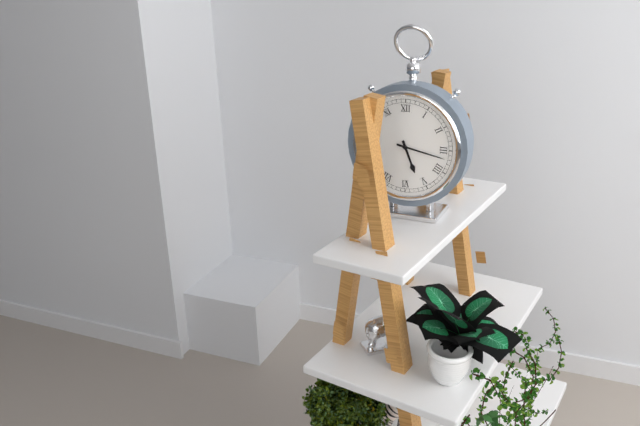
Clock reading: 5h17
